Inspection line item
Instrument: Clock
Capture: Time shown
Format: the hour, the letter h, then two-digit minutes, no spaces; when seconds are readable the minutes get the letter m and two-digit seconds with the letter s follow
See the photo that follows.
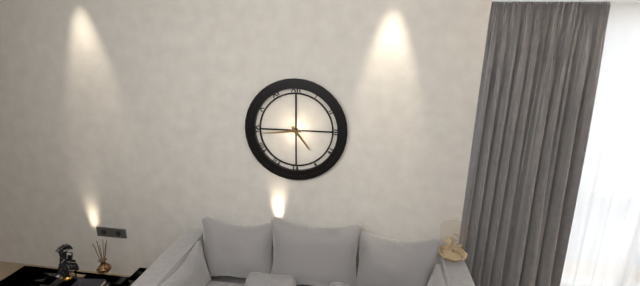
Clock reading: 4h44
